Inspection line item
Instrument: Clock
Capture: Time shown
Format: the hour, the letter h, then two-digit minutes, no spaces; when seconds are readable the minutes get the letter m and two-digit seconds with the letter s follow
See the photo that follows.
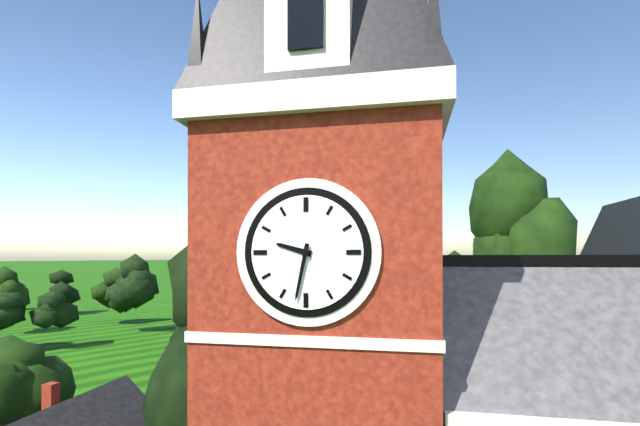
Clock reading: 9h32
